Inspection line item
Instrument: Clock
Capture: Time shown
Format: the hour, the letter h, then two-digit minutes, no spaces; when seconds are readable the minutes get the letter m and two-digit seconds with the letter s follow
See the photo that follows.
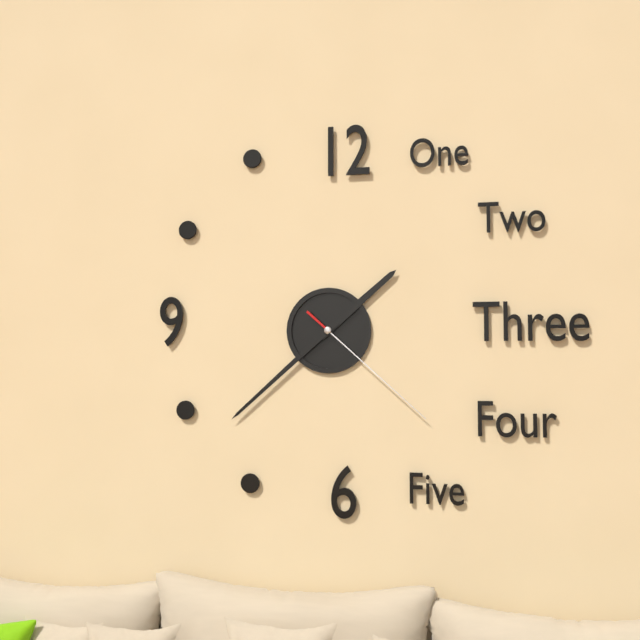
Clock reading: 1h38m22s
